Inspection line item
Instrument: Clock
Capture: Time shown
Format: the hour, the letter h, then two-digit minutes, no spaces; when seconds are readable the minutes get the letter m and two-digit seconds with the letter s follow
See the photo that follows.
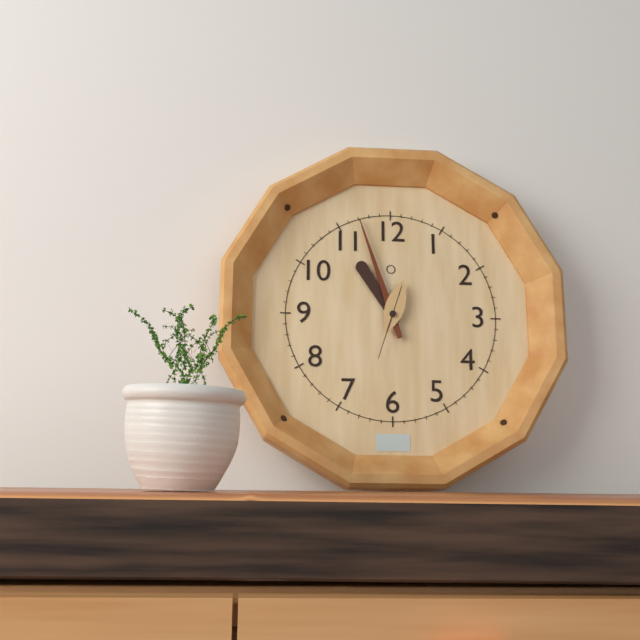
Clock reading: 10h57m33s
